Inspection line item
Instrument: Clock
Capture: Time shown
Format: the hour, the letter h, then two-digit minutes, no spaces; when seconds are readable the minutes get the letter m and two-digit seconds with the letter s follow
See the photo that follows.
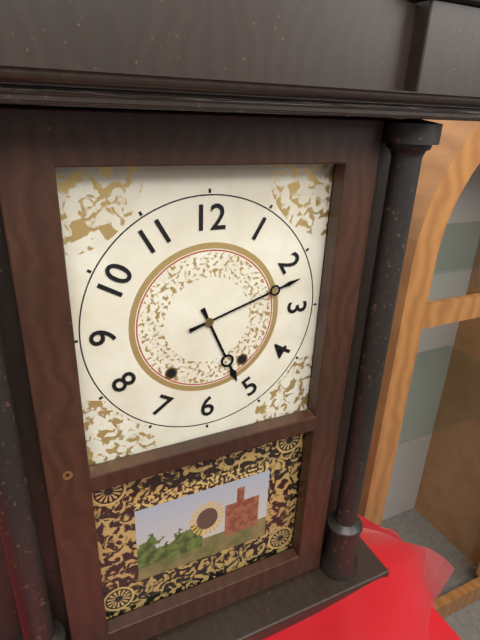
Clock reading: 5h12
